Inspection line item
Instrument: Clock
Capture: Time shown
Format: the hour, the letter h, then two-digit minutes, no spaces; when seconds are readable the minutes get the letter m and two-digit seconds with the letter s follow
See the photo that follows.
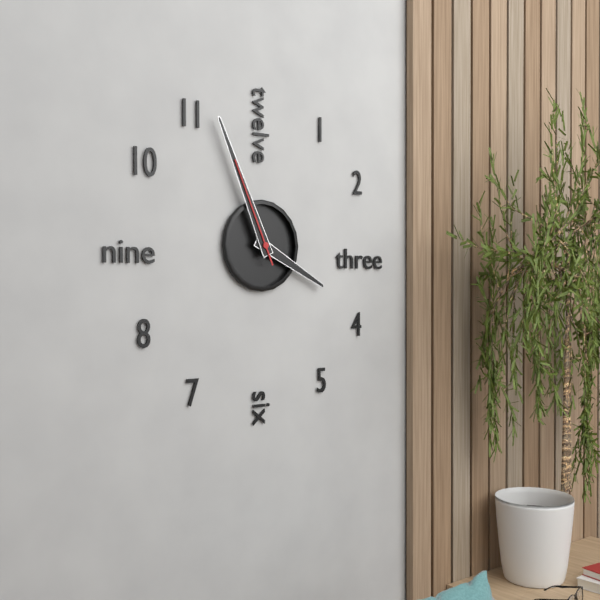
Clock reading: 3h56m56s
